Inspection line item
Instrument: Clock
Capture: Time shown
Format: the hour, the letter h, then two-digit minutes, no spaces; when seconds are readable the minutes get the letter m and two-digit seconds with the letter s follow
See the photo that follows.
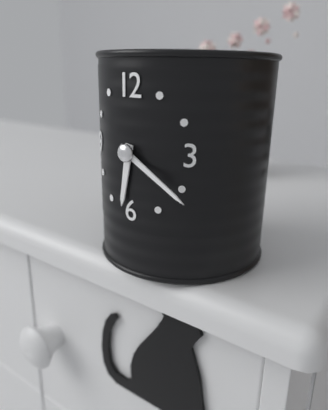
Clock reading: 6h20
